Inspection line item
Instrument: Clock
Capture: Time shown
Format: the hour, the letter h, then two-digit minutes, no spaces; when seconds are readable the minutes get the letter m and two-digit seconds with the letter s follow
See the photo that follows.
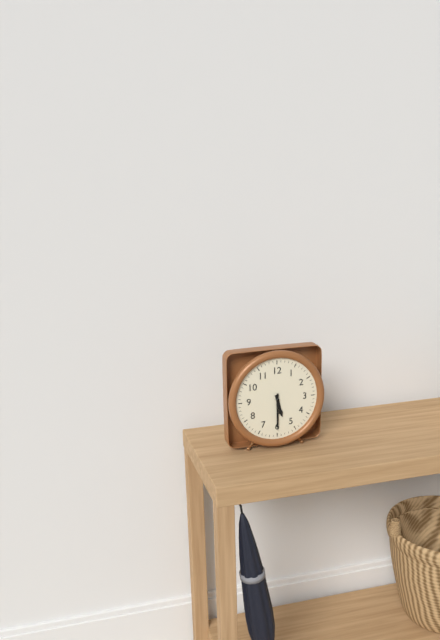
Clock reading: 5h30
